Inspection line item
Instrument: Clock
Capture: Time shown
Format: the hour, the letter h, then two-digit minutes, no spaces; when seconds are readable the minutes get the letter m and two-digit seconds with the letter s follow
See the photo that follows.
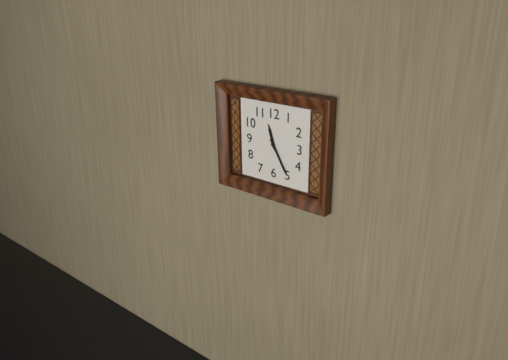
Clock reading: 11h25
